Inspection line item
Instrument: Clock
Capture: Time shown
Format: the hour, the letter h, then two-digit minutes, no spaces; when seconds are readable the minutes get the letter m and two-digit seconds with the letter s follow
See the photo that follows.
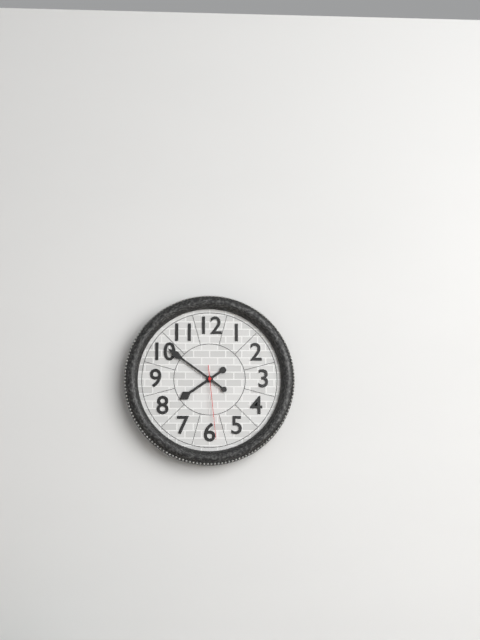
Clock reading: 7h51m29s
